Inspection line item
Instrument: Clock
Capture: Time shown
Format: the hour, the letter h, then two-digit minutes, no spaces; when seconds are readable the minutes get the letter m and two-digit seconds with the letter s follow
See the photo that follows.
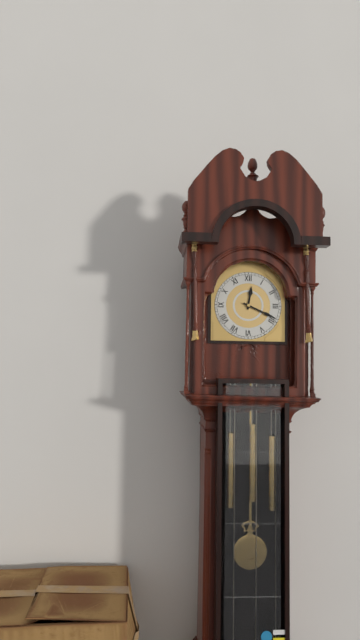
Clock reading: 12h19
